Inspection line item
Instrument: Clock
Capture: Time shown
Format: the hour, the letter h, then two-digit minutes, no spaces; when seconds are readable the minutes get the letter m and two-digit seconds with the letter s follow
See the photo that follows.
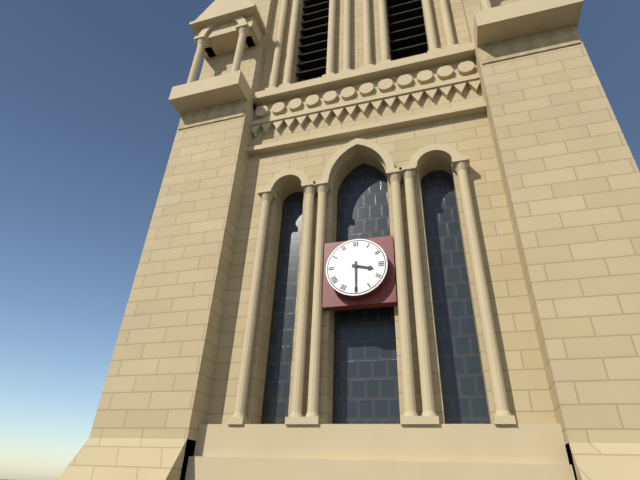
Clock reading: 3h30
